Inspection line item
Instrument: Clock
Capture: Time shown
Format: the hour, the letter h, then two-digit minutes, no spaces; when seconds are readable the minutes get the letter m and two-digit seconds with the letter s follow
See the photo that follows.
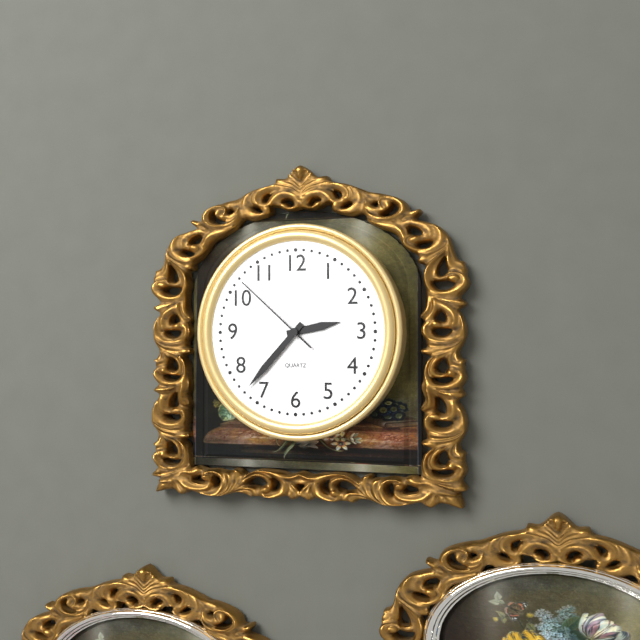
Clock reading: 2h37m52s
